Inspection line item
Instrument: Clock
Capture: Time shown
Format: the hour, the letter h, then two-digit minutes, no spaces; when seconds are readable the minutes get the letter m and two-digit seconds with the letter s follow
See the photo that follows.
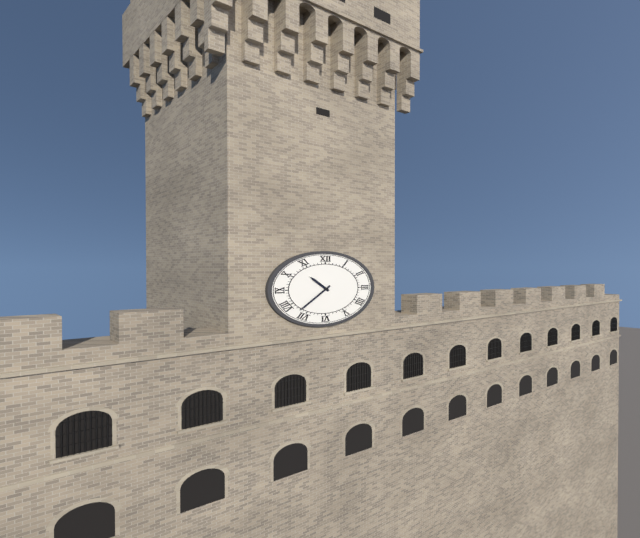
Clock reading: 10h37
